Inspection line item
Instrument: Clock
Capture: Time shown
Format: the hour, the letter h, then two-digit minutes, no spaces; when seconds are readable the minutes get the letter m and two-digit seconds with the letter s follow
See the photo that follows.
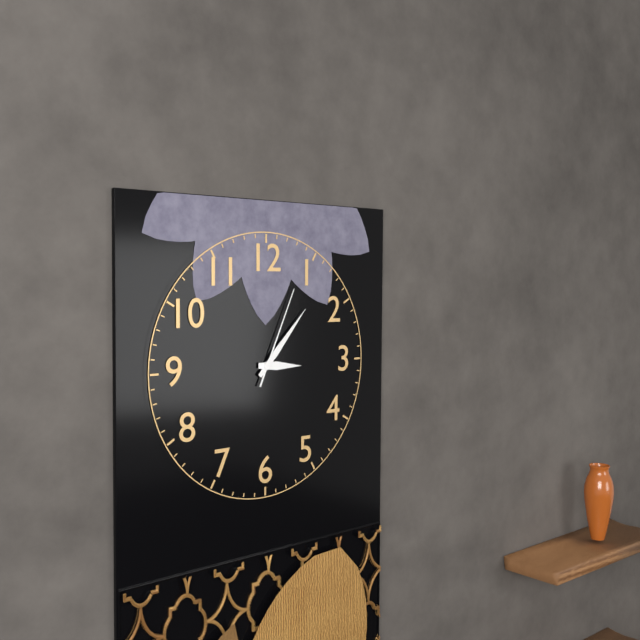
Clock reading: 3h07m04s
